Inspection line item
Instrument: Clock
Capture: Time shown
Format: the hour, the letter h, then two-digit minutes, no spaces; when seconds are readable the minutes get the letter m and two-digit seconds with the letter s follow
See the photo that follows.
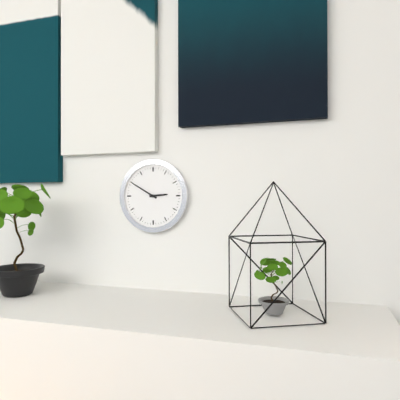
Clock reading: 2h50
